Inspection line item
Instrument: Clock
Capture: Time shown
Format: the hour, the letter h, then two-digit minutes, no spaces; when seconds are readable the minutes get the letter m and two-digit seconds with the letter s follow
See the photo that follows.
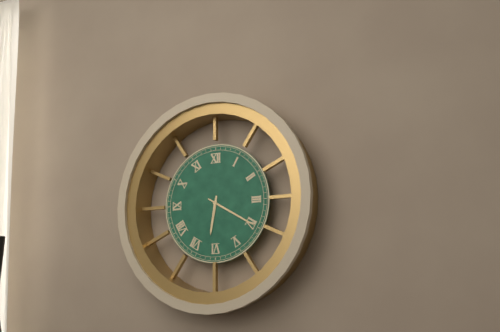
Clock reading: 6h20
